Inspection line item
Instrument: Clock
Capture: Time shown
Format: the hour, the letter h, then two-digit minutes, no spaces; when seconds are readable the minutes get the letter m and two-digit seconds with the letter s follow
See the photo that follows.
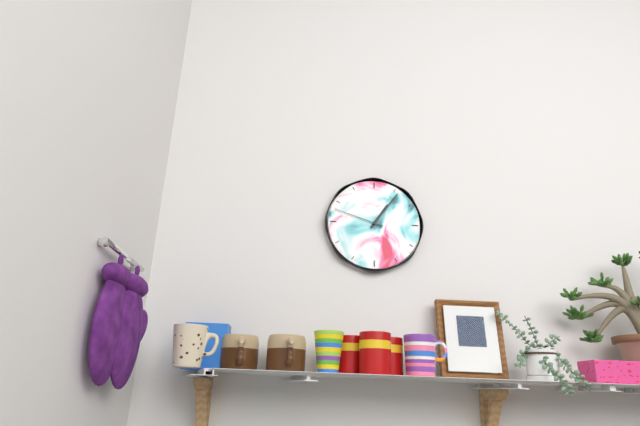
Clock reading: 1h06m48s
